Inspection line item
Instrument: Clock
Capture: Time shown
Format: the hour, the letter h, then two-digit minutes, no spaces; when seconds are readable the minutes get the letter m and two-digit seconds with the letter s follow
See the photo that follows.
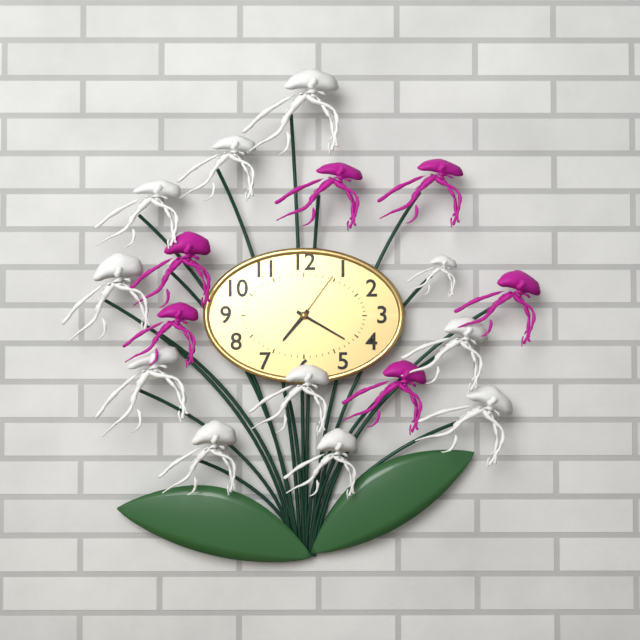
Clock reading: 7h20m06s
